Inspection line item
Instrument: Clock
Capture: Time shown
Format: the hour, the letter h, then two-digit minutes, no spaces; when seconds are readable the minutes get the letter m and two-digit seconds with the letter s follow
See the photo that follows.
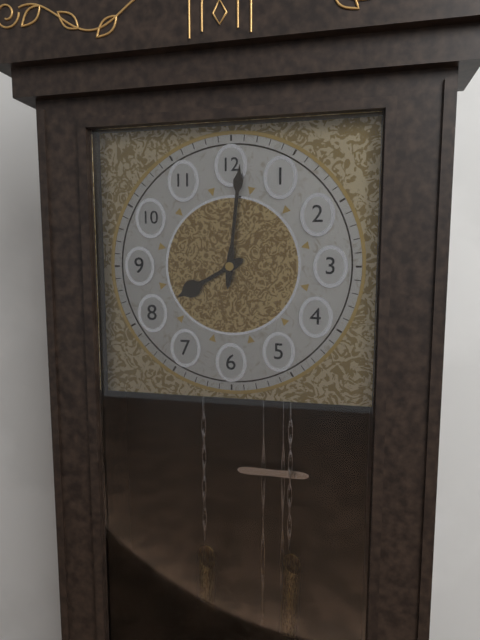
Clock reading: 8h01
